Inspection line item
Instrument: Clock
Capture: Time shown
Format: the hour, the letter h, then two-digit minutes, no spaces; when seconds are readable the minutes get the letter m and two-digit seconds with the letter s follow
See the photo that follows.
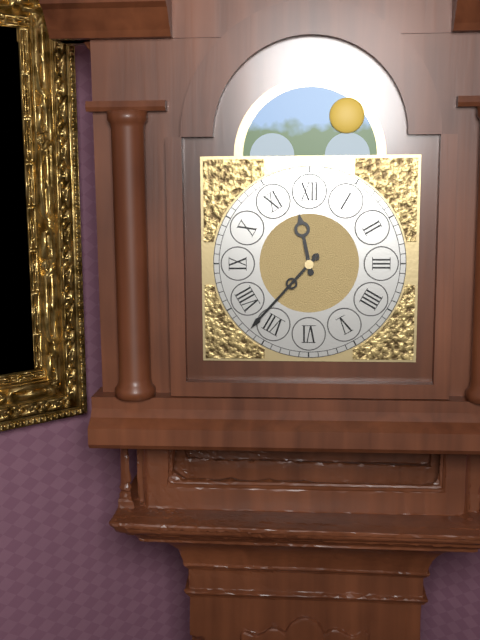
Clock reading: 11h37
